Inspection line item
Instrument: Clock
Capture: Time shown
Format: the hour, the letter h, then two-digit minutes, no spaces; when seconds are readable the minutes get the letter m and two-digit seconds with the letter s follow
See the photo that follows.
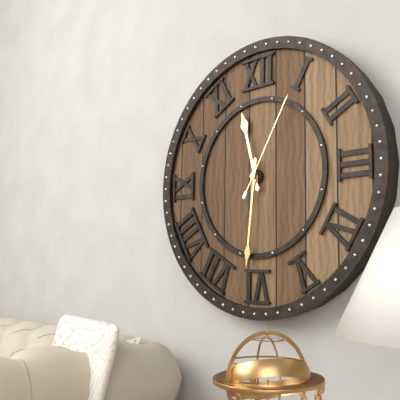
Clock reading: 11h31m05s
